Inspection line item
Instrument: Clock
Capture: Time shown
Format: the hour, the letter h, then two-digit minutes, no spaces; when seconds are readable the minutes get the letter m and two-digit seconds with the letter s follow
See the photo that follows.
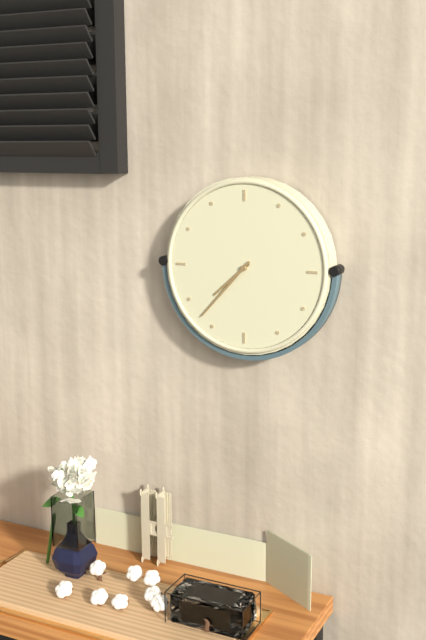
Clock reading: 7h37
